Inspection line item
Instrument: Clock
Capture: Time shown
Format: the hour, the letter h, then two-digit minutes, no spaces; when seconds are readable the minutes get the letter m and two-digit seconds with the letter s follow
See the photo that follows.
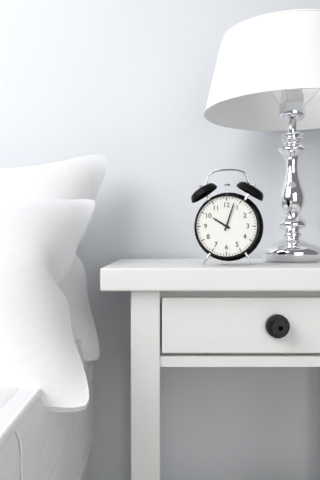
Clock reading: 10h03
